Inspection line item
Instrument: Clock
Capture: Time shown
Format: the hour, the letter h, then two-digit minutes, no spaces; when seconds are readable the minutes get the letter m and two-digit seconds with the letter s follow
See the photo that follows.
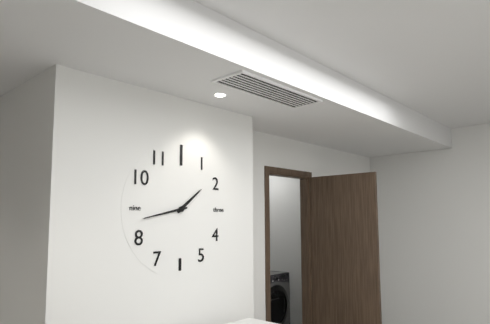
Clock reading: 1h43
